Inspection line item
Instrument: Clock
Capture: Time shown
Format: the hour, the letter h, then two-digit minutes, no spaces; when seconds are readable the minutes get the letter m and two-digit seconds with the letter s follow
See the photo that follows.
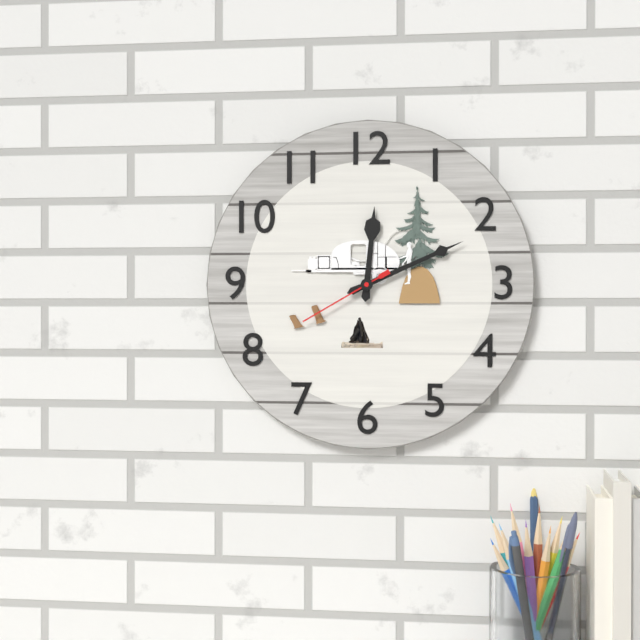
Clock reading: 12h11m40s
